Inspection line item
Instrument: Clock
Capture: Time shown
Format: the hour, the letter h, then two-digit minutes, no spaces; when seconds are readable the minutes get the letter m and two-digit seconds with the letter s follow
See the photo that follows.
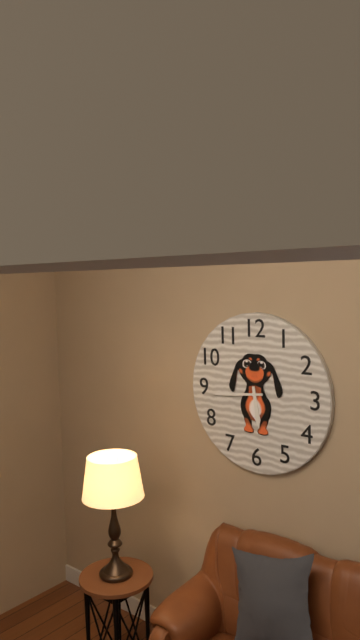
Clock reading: 5h44
